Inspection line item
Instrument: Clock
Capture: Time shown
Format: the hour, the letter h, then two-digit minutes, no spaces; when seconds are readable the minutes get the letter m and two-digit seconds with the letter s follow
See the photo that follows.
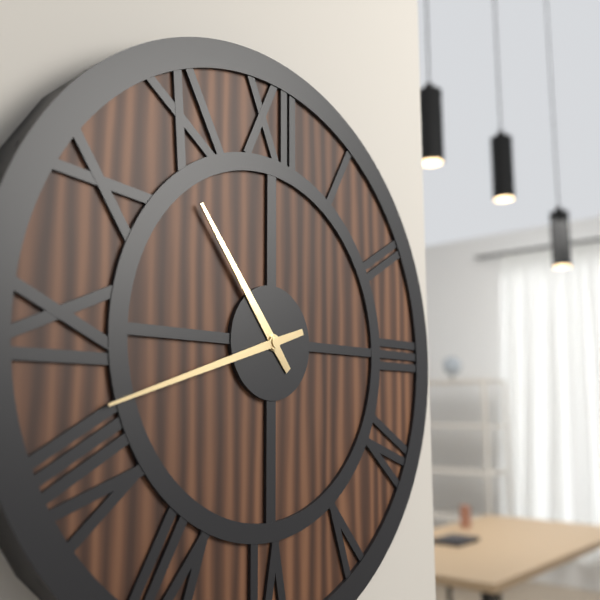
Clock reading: 10h42
